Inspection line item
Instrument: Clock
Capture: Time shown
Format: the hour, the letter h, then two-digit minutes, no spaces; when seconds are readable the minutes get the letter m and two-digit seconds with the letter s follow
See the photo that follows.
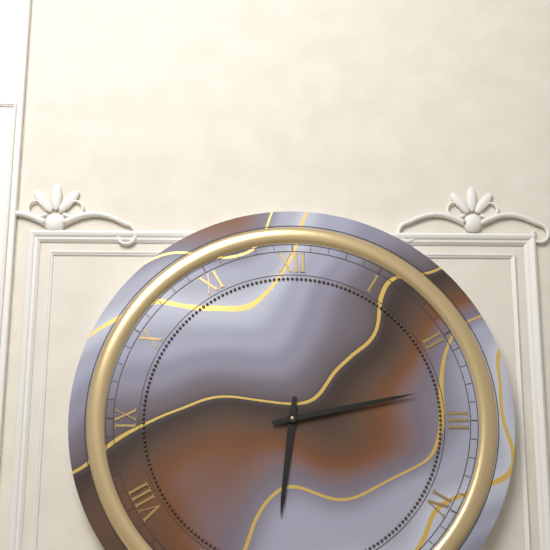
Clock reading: 6h13
